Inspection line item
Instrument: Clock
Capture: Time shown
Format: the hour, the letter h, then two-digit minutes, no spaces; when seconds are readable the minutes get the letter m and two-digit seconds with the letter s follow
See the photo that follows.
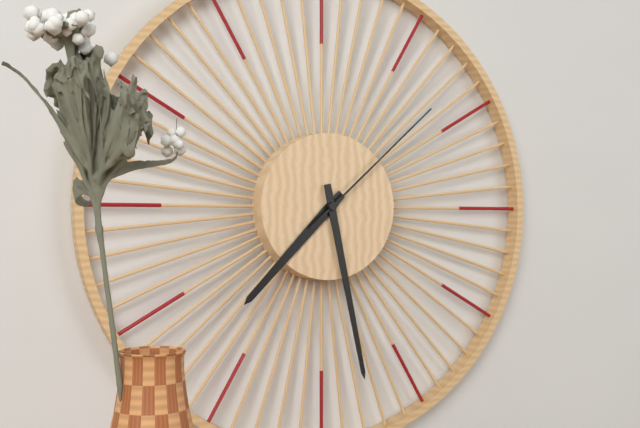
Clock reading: 7h28m08s
